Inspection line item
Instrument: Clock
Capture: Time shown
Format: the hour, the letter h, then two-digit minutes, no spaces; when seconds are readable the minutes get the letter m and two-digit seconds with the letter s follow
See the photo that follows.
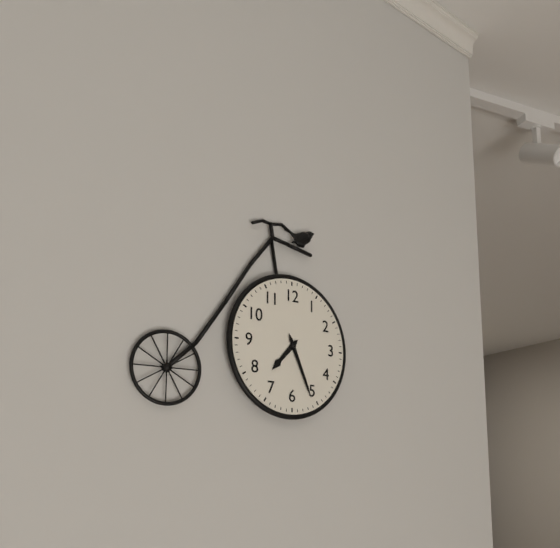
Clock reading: 7h26
